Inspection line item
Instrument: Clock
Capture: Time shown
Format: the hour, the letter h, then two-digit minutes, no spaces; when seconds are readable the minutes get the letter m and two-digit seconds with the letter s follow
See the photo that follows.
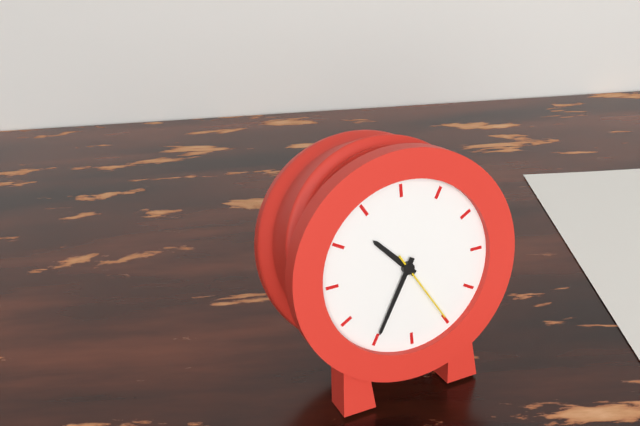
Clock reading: 10h35m25s
